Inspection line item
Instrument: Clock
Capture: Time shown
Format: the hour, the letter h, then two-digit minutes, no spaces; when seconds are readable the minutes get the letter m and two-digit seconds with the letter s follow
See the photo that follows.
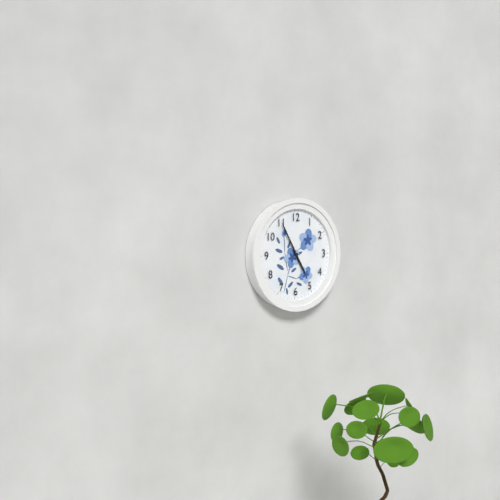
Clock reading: 4h55
